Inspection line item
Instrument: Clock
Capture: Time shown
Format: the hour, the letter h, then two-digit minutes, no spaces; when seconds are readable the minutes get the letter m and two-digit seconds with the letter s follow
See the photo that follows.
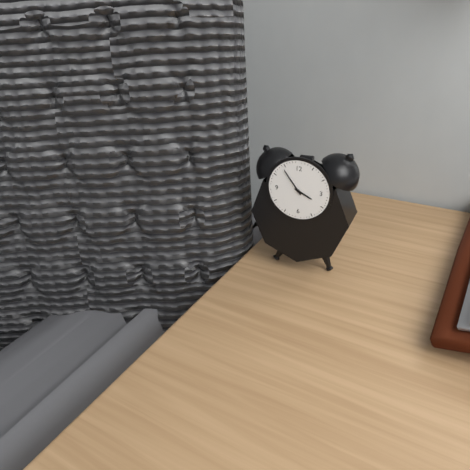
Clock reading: 3h54
